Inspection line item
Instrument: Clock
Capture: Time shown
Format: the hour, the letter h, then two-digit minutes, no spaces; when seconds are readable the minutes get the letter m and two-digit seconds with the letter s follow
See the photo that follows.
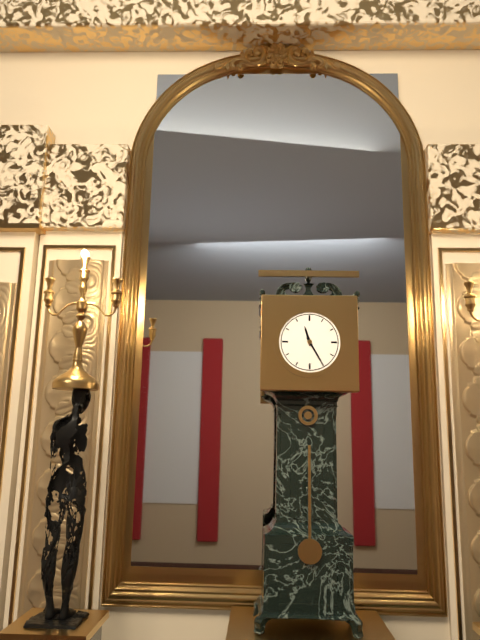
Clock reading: 11h25
